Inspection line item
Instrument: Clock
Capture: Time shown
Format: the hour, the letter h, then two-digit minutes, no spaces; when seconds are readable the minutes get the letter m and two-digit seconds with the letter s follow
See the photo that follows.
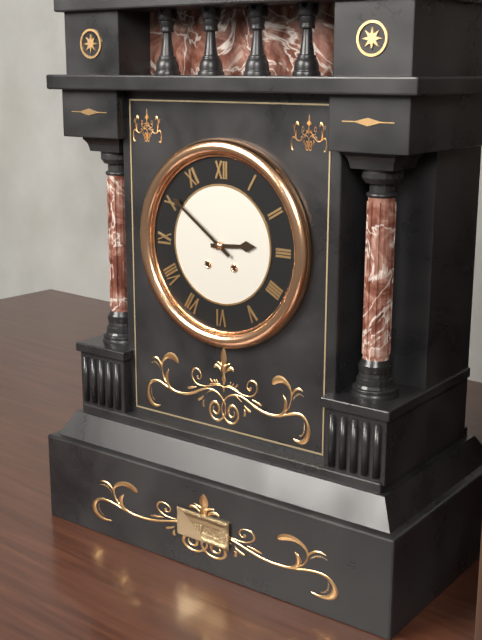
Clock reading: 2h51
